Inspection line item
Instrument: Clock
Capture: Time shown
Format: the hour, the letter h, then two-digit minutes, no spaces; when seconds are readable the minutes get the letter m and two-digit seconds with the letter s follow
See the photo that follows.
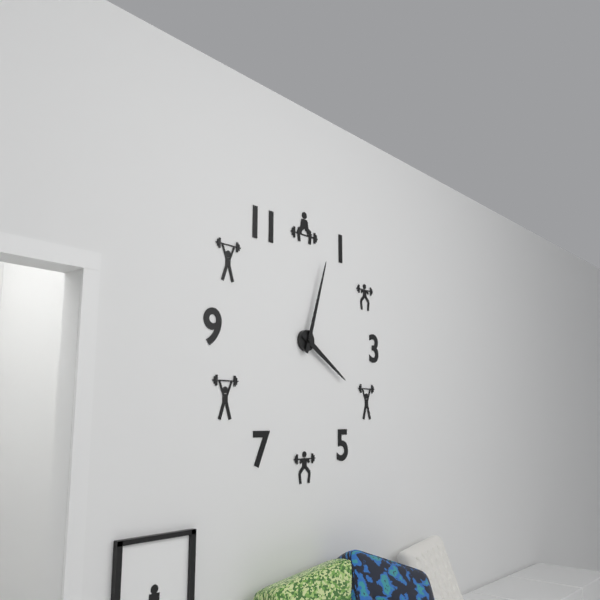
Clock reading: 4h03
